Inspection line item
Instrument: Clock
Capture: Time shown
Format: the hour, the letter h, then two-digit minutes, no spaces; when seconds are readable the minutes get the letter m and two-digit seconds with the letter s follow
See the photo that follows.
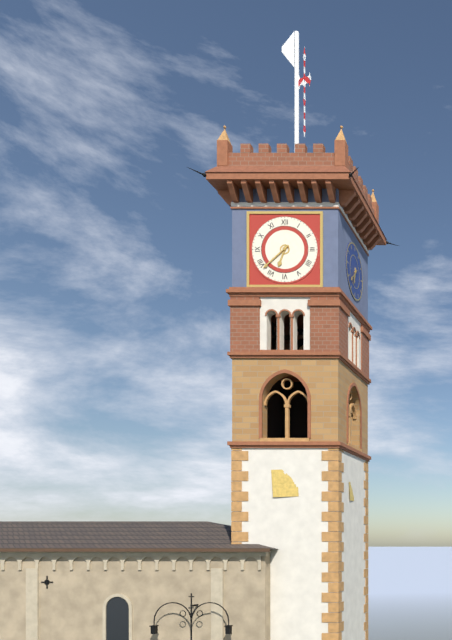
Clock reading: 6h38
